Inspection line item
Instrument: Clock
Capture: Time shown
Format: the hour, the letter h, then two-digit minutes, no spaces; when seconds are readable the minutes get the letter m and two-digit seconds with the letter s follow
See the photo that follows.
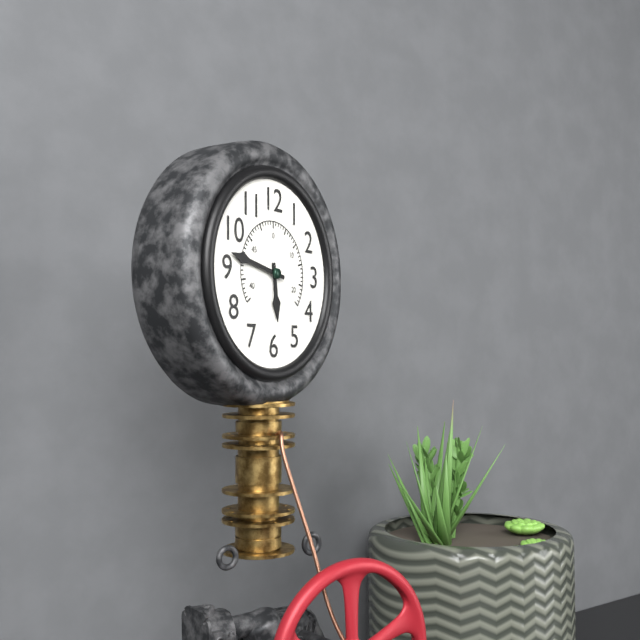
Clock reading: 5h47
